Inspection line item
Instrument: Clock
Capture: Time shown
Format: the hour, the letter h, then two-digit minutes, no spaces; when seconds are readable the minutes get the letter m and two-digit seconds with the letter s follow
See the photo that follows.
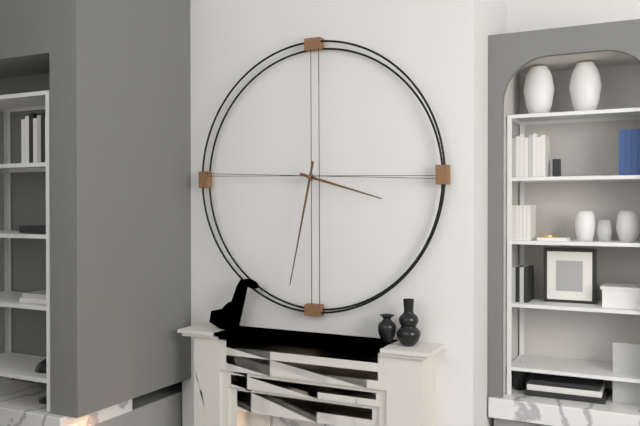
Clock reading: 3h32
